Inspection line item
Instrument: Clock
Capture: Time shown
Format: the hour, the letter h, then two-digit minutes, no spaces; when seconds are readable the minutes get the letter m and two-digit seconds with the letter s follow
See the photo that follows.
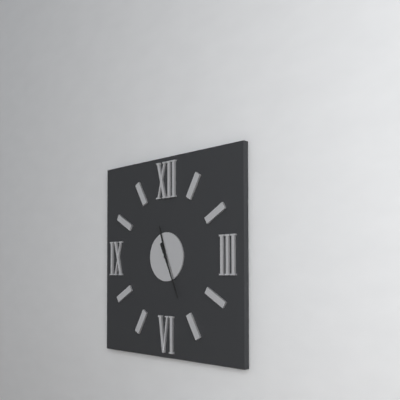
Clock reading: 11h26
